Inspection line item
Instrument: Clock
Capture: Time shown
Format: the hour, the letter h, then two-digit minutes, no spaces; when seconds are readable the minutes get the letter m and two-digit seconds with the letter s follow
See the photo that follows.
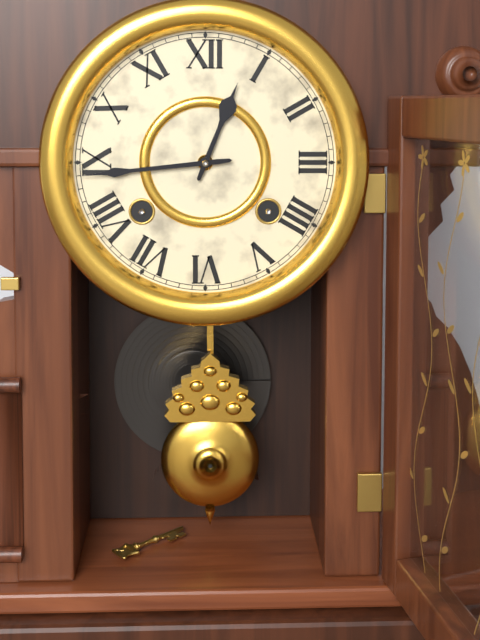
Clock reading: 12h44
